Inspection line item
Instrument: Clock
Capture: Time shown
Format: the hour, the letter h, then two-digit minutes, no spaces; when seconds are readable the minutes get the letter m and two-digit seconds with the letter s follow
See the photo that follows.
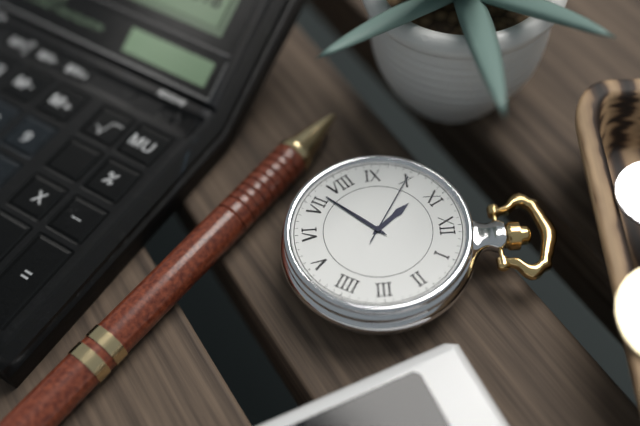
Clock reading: 10h37m50s
